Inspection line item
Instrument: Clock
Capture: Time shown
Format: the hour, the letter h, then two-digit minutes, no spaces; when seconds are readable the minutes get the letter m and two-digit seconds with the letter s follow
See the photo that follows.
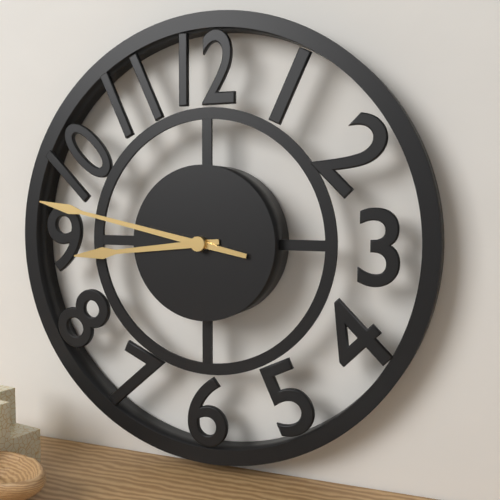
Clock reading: 8h47
